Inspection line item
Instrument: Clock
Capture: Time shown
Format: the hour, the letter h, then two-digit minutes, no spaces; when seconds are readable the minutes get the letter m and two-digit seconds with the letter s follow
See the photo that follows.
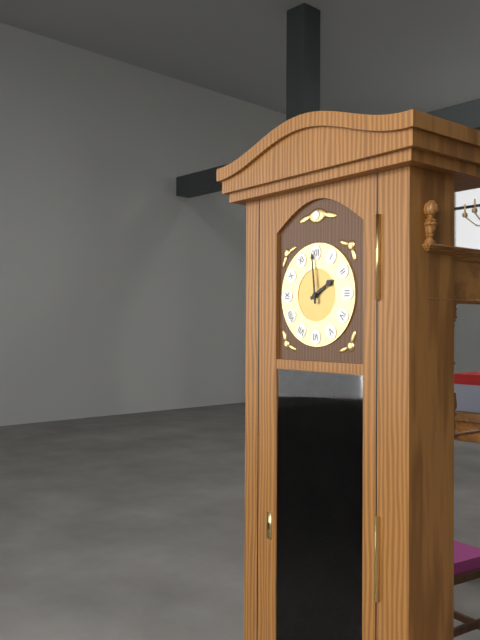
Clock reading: 1h59
